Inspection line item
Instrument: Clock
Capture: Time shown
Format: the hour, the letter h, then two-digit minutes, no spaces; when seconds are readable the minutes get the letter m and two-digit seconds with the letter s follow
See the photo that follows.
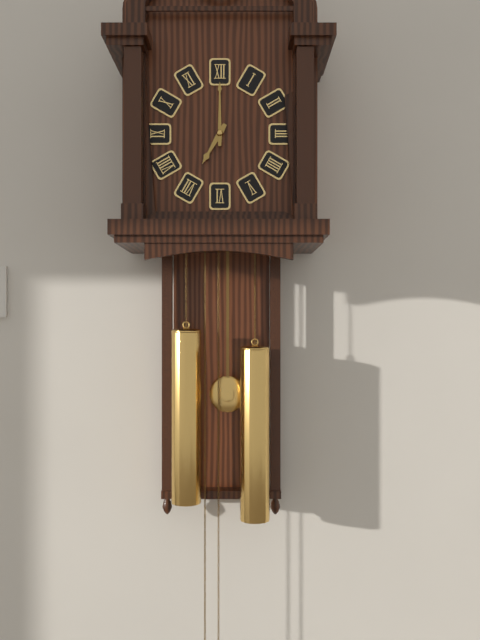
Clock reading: 7h00
